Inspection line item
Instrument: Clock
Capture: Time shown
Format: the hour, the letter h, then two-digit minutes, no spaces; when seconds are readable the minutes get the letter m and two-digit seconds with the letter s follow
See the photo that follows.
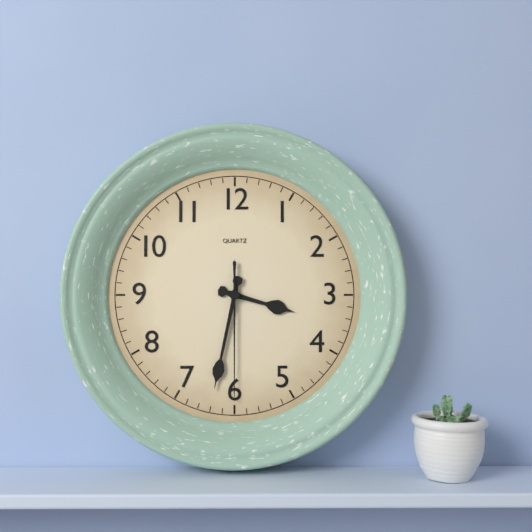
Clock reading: 3h32m30s
